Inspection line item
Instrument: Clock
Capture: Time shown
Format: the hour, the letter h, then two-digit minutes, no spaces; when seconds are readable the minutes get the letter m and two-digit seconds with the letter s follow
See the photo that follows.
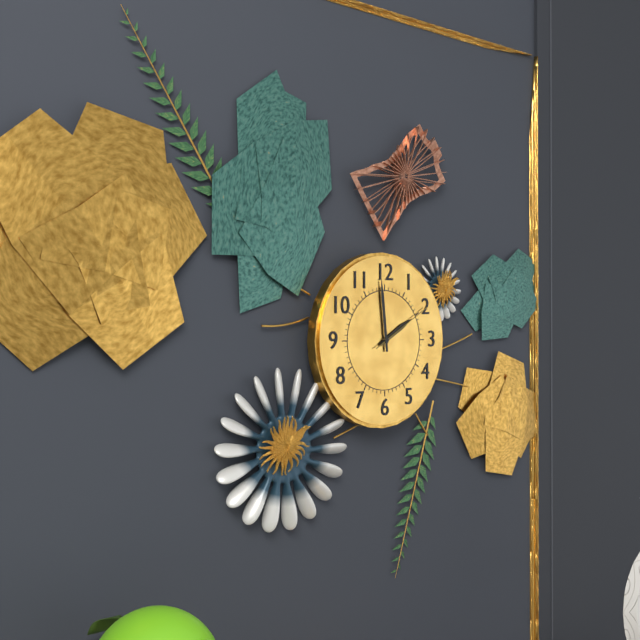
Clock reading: 1h59m10s
